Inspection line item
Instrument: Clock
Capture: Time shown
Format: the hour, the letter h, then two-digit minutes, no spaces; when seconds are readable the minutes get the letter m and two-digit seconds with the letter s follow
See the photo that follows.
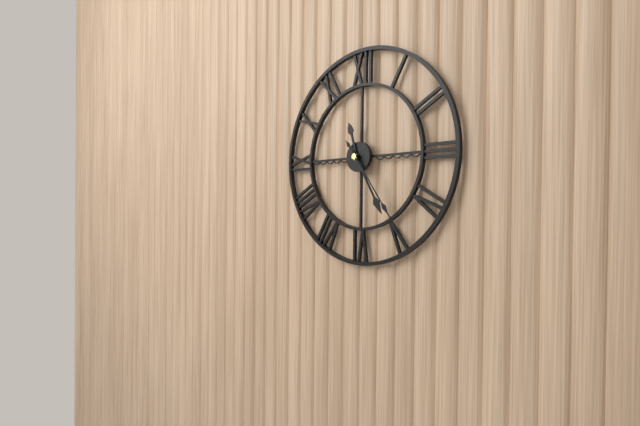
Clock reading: 11h25m24s
